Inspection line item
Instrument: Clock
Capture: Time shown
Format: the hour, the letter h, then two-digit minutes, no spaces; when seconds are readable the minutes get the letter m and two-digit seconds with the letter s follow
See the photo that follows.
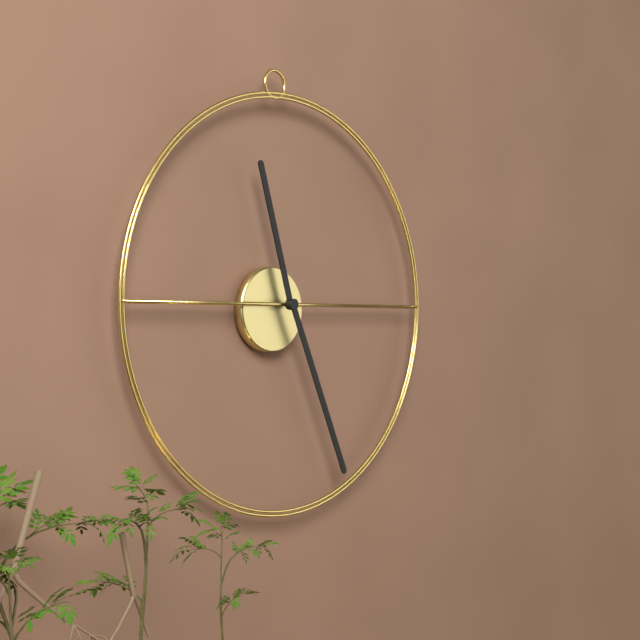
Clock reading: 11h26
